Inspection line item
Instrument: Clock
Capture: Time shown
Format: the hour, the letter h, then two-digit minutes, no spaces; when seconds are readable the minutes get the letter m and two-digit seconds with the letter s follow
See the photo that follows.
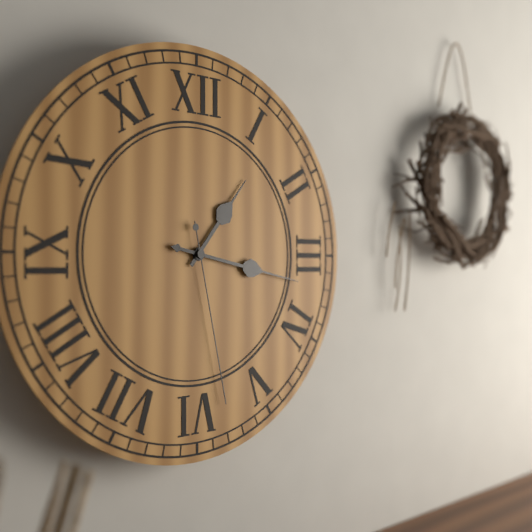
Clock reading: 1h17m28s
